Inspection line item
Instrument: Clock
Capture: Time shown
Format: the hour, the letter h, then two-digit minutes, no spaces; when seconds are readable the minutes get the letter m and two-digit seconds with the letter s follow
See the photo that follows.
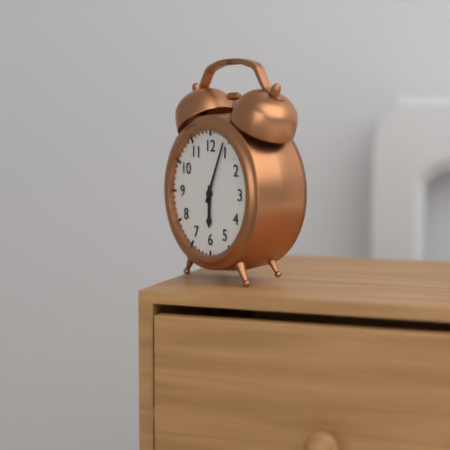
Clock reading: 6h04
